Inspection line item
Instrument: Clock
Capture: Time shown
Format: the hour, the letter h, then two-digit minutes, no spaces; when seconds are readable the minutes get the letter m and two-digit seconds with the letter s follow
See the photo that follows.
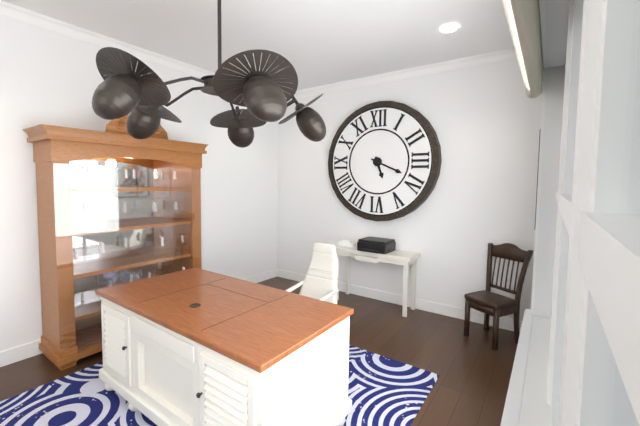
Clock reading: 5h19
